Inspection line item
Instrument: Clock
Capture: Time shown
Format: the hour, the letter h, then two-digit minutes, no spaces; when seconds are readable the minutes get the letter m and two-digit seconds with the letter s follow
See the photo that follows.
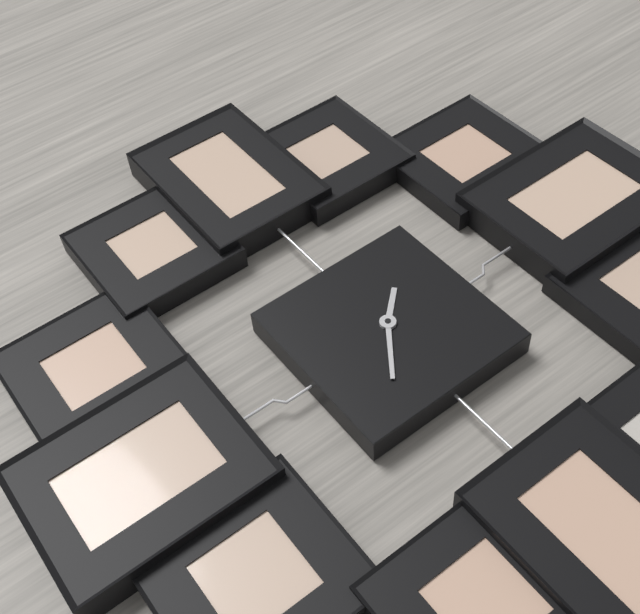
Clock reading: 1h36
